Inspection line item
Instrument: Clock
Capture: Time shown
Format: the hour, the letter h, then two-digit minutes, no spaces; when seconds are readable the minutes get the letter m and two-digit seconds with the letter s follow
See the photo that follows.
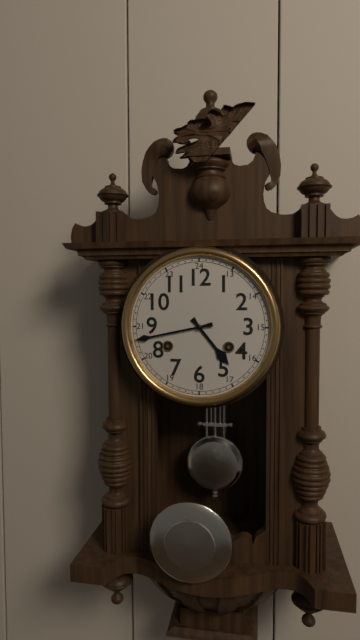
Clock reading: 4h43
